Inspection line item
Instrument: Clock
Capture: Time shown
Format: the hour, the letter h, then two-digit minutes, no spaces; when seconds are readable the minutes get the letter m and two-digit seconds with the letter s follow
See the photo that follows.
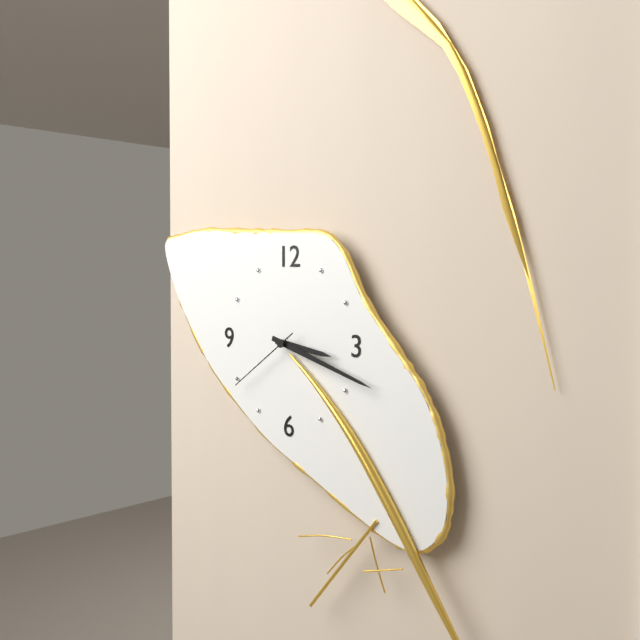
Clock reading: 3h18m39s
